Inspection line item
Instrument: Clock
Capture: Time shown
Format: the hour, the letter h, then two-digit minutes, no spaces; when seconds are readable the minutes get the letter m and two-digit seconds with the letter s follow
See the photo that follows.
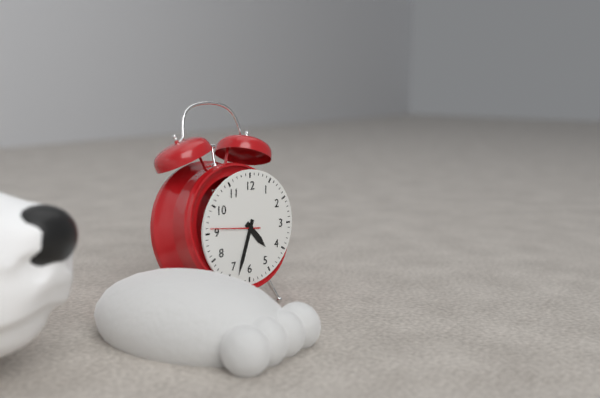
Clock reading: 4h33
